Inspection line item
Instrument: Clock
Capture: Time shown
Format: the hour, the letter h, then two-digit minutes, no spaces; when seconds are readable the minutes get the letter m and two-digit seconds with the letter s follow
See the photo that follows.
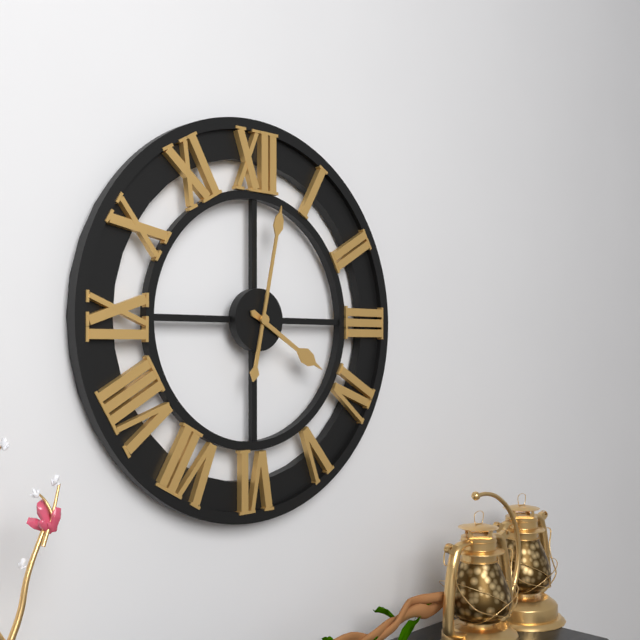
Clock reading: 4h02
